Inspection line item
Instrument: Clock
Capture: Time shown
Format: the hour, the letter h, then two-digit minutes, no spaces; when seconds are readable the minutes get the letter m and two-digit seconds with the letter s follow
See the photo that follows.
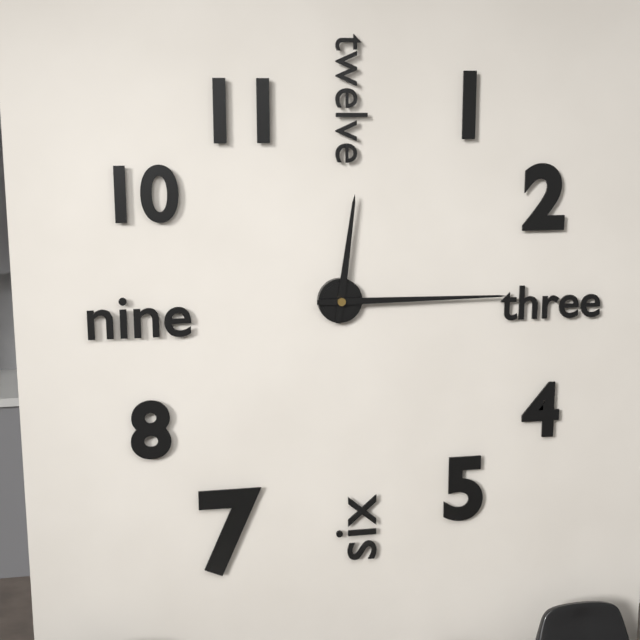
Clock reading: 12h15
